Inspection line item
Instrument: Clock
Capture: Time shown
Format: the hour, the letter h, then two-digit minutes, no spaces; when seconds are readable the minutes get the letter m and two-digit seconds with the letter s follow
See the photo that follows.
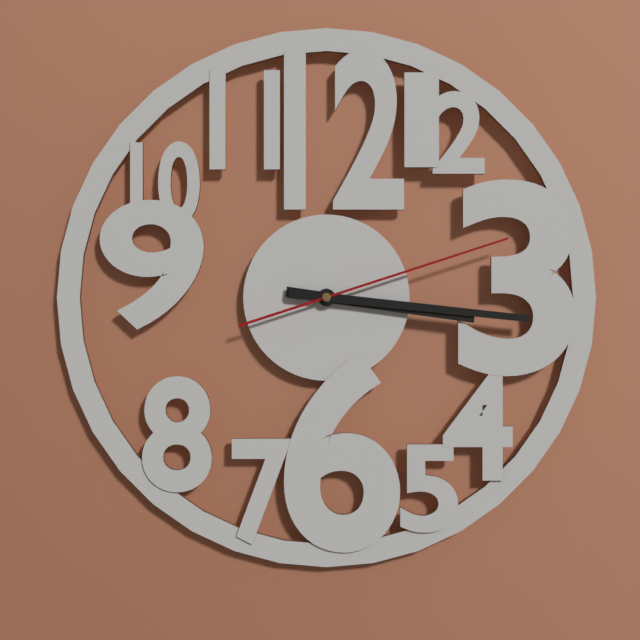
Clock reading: 3h16m12s
